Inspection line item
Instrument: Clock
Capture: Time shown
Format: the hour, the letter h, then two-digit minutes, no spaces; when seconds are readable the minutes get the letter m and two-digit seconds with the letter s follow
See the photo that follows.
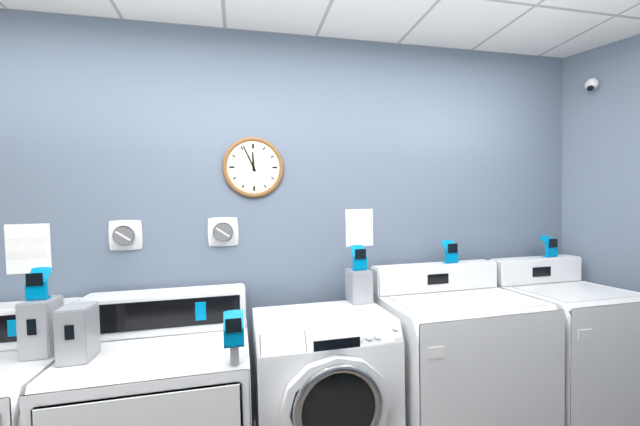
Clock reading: 11h56
